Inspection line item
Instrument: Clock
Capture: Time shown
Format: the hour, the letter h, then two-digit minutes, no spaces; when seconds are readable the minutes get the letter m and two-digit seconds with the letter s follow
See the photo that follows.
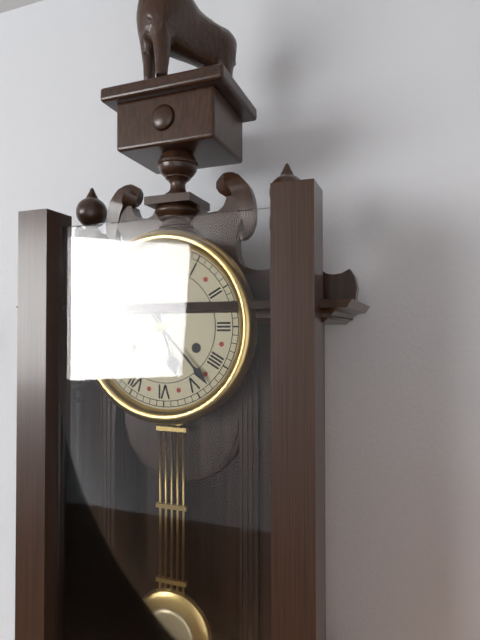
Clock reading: 5h23
